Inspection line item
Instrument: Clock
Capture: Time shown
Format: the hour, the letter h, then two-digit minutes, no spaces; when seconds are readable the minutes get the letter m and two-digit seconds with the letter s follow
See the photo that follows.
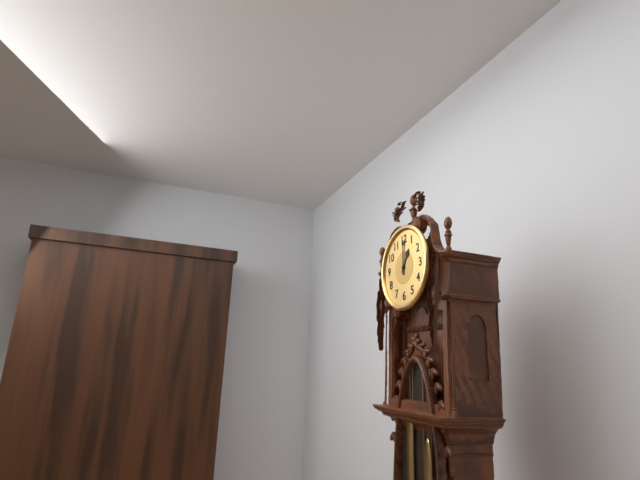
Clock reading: 1h00
